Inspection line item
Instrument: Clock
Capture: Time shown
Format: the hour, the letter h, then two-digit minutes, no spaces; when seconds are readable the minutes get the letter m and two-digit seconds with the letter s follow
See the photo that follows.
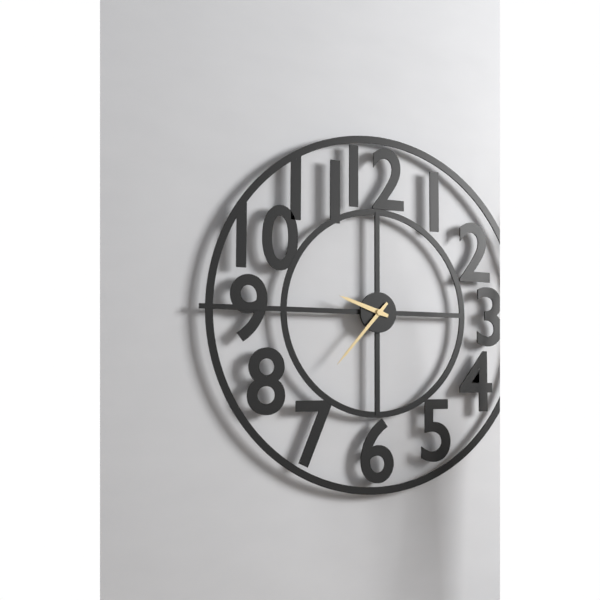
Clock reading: 9h37
